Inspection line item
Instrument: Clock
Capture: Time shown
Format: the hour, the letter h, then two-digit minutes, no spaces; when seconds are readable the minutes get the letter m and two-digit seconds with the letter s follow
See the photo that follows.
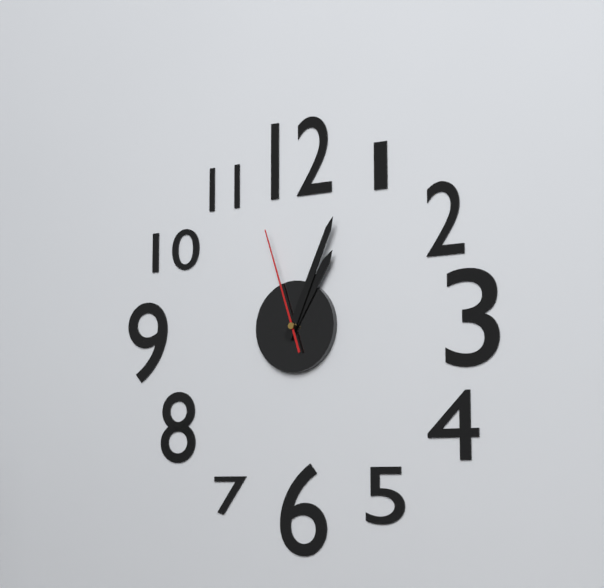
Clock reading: 1h04m57s
